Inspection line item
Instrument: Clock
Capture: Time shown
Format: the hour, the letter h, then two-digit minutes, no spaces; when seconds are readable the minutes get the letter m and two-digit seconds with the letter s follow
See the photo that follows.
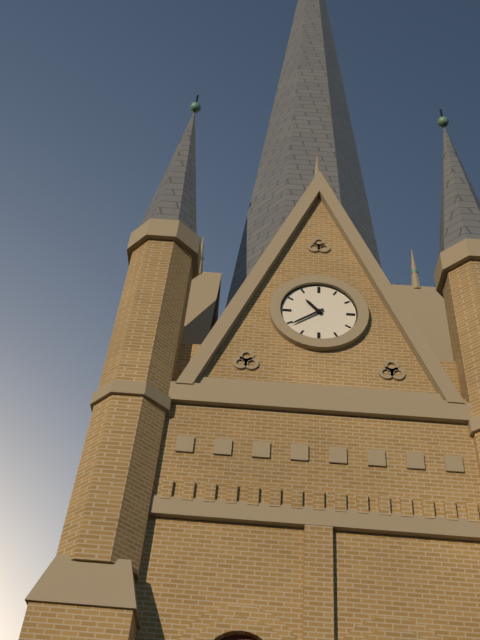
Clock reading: 10h39
